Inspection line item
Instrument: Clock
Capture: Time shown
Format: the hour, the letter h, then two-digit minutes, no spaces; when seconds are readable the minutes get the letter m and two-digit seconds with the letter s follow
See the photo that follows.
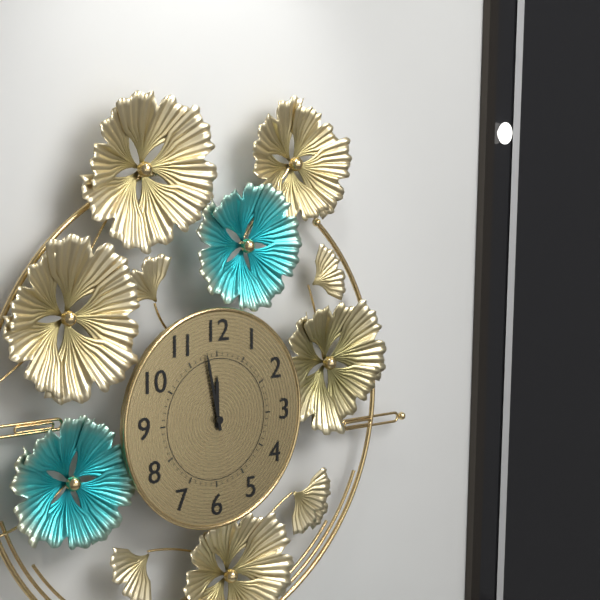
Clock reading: 11h58
